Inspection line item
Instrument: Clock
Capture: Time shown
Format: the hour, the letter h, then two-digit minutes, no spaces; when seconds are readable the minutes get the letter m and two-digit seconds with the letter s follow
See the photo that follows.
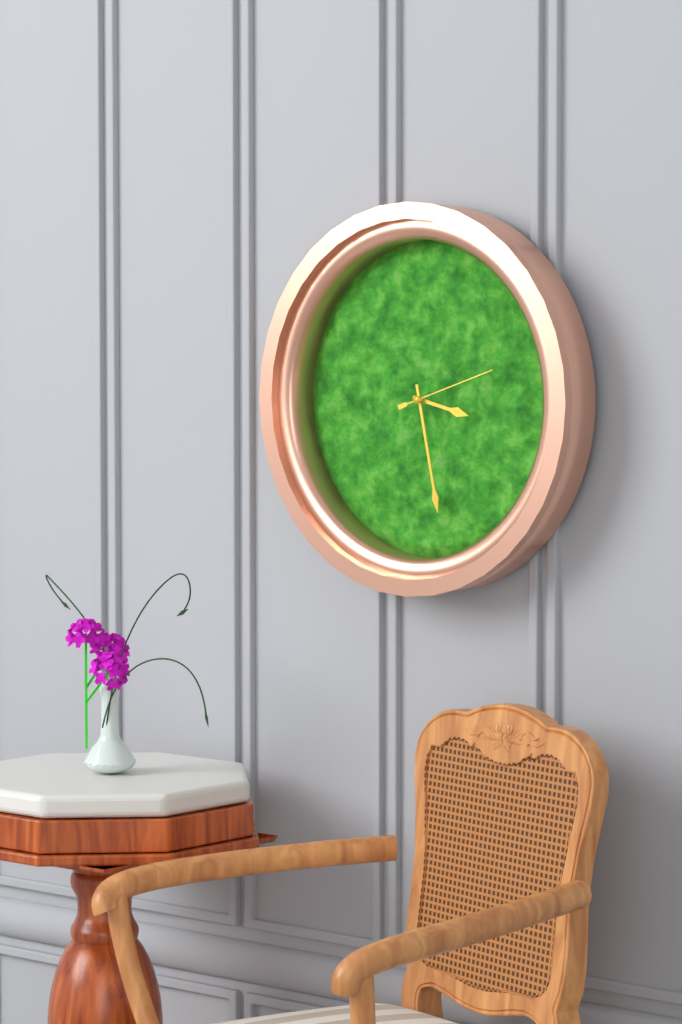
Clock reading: 3h28m12s
